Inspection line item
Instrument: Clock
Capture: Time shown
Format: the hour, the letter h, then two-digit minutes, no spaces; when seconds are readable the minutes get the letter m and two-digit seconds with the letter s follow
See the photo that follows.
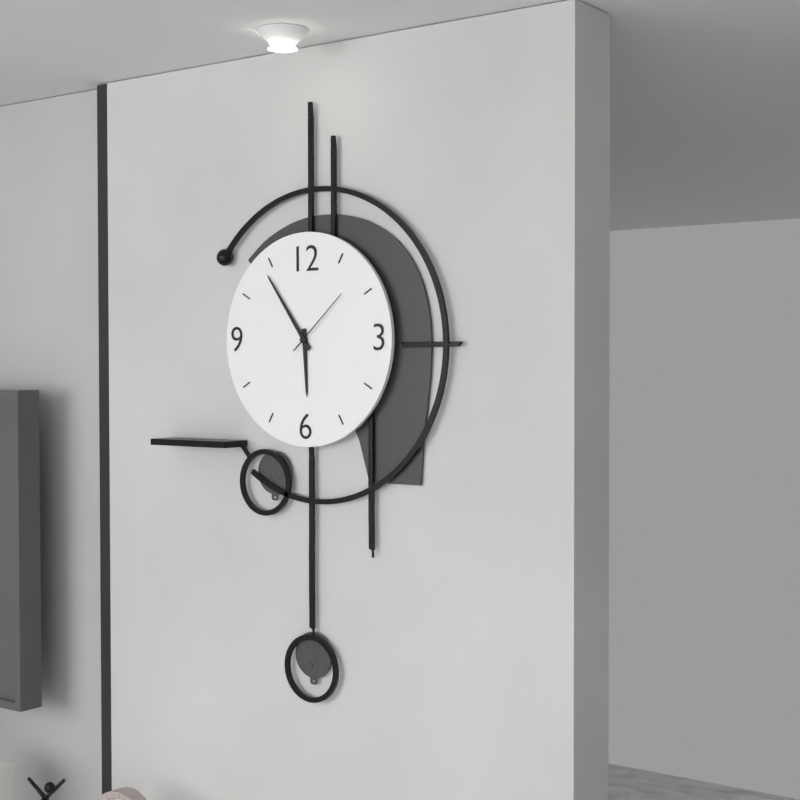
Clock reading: 5h54m08s
